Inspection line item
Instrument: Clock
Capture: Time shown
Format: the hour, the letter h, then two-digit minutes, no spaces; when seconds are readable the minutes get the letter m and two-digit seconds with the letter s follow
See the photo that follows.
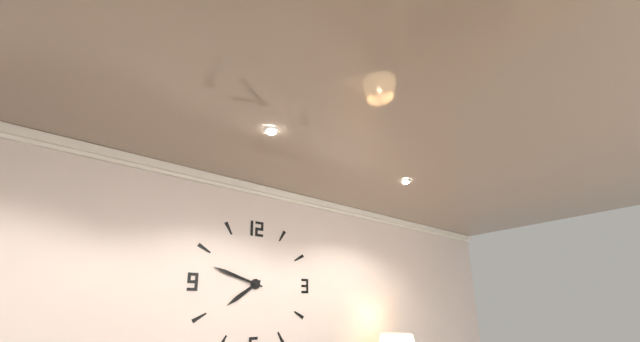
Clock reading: 7h48
